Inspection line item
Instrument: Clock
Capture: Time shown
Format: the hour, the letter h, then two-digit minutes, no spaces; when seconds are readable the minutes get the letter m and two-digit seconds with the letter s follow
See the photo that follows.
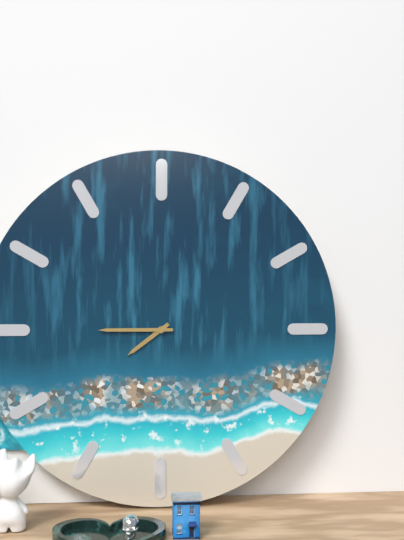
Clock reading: 7h45
